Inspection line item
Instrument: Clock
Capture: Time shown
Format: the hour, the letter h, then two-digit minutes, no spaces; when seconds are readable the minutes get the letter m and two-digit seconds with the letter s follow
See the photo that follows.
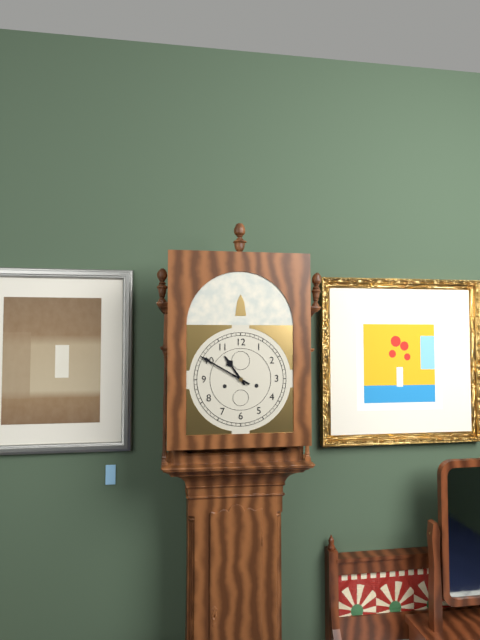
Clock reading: 10h50
